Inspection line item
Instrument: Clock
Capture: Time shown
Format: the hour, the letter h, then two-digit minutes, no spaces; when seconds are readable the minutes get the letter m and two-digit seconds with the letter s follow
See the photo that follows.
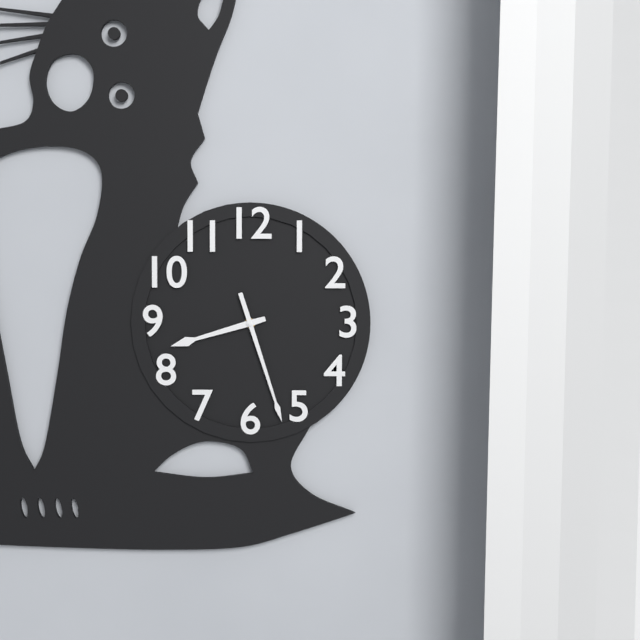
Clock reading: 8h27
